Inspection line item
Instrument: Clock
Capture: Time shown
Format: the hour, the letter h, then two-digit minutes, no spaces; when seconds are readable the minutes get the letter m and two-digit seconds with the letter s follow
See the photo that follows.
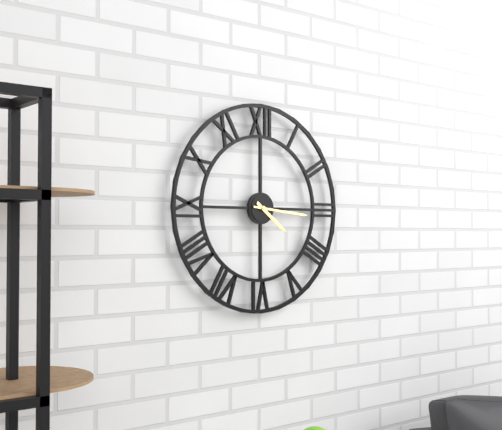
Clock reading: 4h16
